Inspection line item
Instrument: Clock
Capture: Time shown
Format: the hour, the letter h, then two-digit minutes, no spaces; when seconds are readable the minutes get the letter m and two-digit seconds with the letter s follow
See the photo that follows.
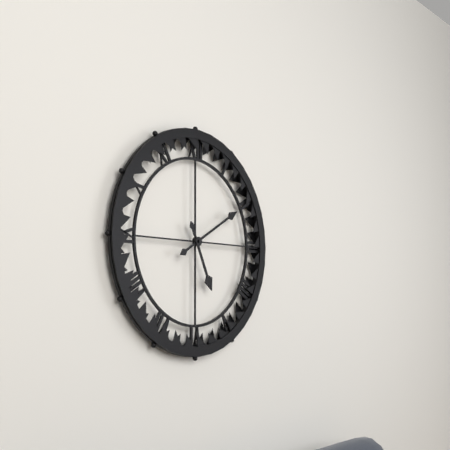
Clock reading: 5h10
